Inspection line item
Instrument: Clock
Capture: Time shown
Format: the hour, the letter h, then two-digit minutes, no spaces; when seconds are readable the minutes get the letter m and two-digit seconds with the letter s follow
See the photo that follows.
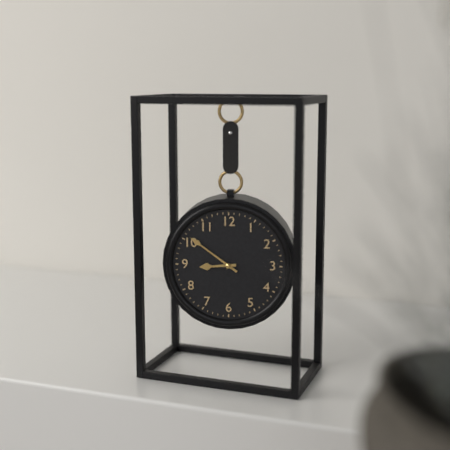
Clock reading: 8h51
